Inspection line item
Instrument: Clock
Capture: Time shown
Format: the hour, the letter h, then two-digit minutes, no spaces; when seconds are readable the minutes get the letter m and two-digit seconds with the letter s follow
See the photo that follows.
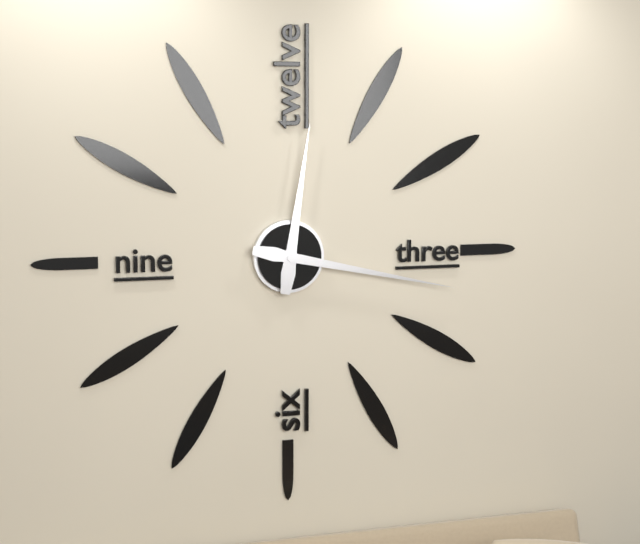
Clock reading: 12h17
